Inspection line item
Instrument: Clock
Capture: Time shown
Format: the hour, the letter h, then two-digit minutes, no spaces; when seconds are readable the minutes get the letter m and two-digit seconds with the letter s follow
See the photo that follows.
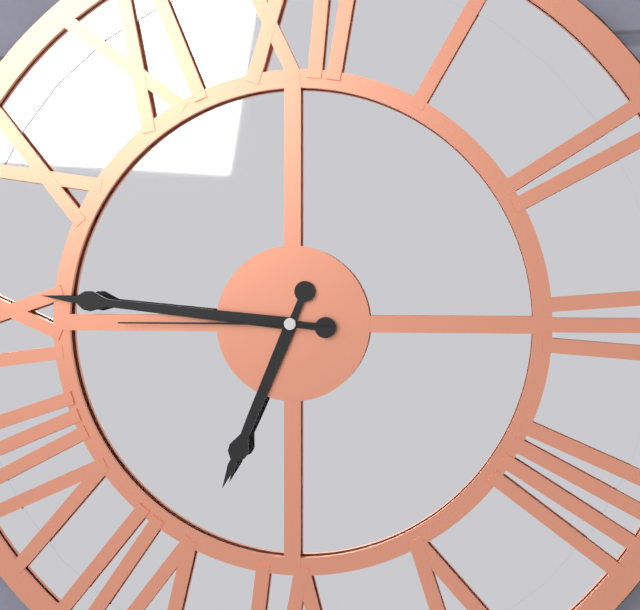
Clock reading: 6h46m45s
